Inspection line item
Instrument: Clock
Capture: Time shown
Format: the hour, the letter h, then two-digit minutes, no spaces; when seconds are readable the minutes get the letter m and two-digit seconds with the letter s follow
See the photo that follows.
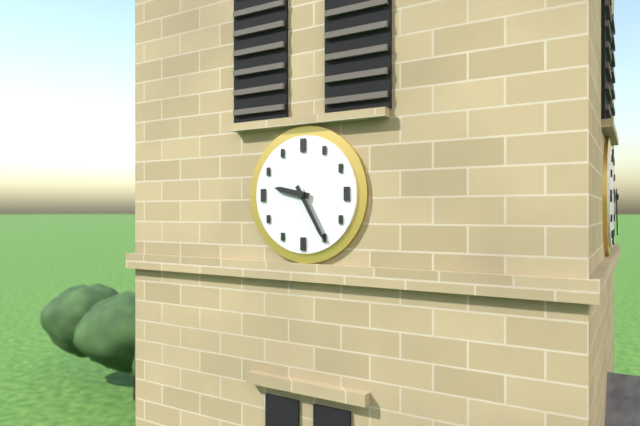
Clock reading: 9h25
